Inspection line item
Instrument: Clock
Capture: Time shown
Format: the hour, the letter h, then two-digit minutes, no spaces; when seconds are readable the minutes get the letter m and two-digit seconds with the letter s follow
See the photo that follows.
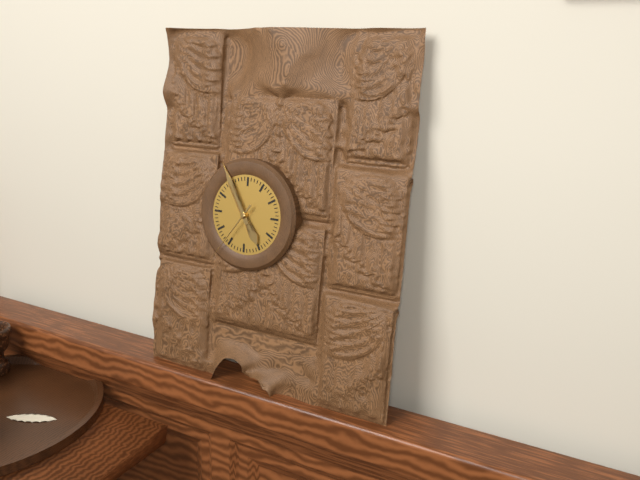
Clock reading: 4h55m36s
